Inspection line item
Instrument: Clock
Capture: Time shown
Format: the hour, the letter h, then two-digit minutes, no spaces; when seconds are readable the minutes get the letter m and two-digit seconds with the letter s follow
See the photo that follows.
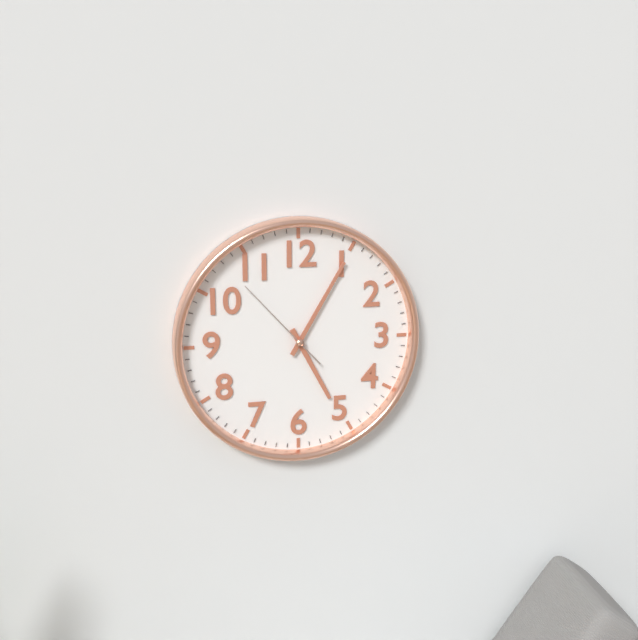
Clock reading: 5h05m53s
